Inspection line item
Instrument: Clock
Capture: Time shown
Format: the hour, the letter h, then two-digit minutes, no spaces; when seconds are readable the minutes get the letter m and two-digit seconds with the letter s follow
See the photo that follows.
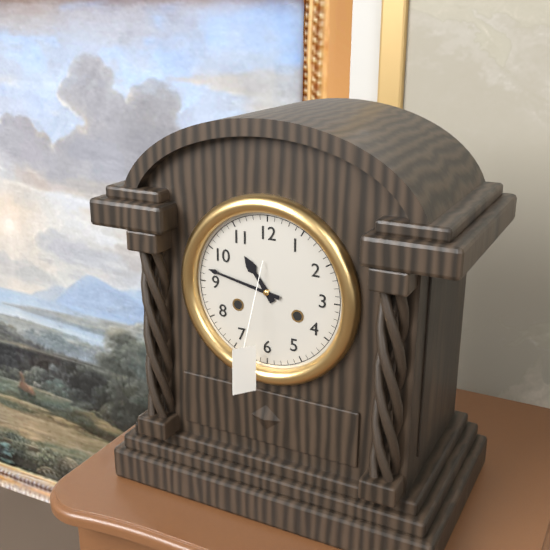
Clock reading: 10h47
